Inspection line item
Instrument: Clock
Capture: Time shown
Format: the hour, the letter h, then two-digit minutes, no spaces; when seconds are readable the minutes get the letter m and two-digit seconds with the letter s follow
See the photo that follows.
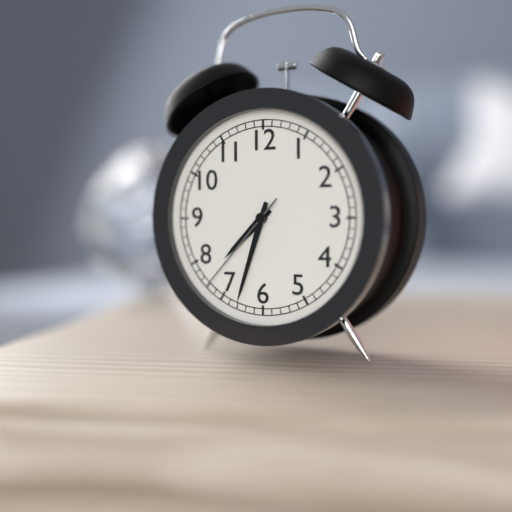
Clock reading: 7h33m37s
